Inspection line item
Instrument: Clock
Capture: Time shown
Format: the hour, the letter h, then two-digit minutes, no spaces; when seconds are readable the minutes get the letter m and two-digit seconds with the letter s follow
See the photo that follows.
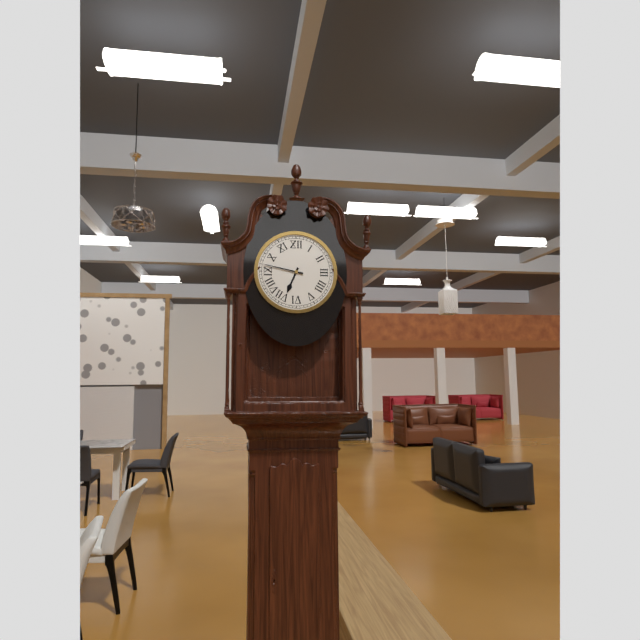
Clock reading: 6h47
